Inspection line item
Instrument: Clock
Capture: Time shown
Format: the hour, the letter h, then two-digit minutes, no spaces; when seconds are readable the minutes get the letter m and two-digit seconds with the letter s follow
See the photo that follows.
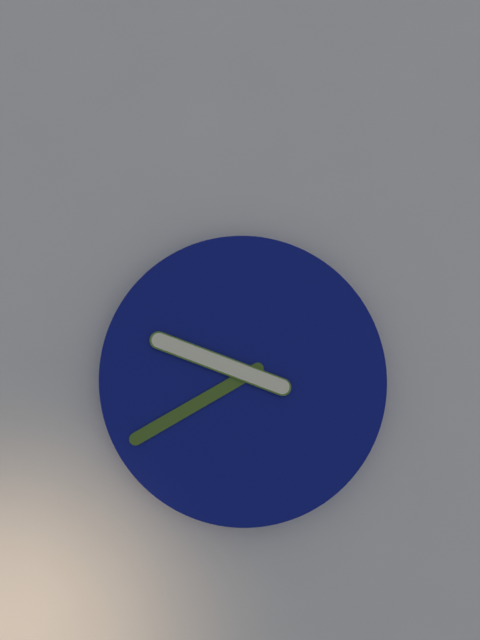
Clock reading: 9h40
